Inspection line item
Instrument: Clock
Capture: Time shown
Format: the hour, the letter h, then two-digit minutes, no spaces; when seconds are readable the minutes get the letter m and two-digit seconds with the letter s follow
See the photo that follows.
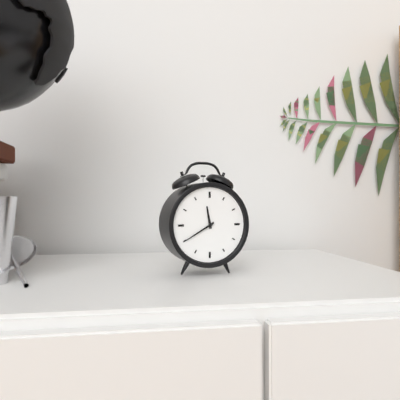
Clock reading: 11h40
